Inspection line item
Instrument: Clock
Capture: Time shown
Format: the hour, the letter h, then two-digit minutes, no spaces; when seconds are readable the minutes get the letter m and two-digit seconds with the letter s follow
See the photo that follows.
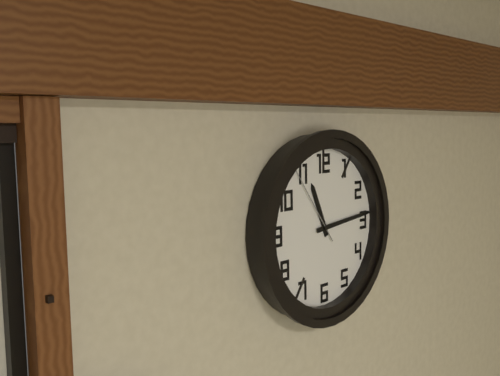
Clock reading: 11h14m54s
